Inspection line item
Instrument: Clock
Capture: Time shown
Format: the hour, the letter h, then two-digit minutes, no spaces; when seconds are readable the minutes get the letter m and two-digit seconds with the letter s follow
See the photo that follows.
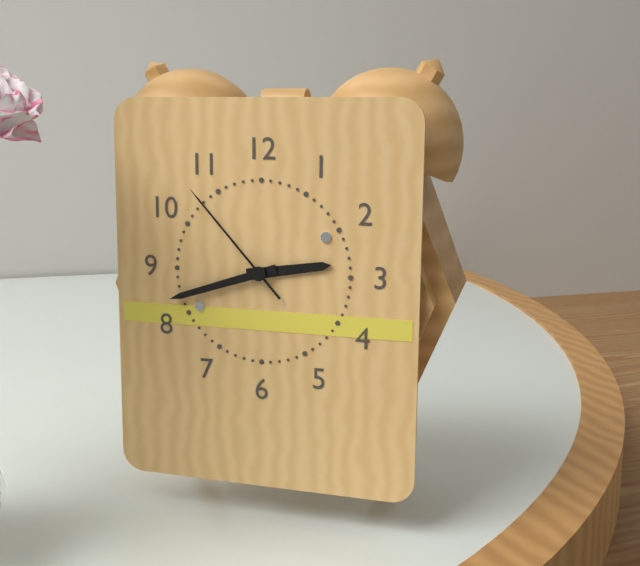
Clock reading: 2h42m53s
